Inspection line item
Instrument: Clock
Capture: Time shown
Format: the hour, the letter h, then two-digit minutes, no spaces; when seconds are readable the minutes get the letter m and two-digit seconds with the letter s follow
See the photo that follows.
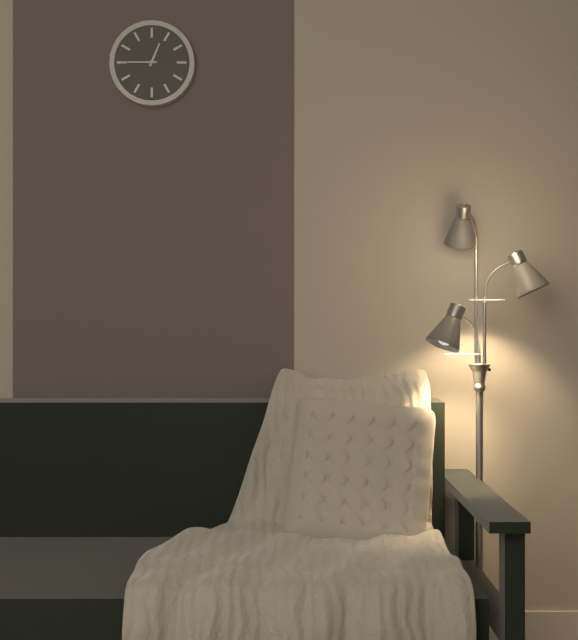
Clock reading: 12h45
